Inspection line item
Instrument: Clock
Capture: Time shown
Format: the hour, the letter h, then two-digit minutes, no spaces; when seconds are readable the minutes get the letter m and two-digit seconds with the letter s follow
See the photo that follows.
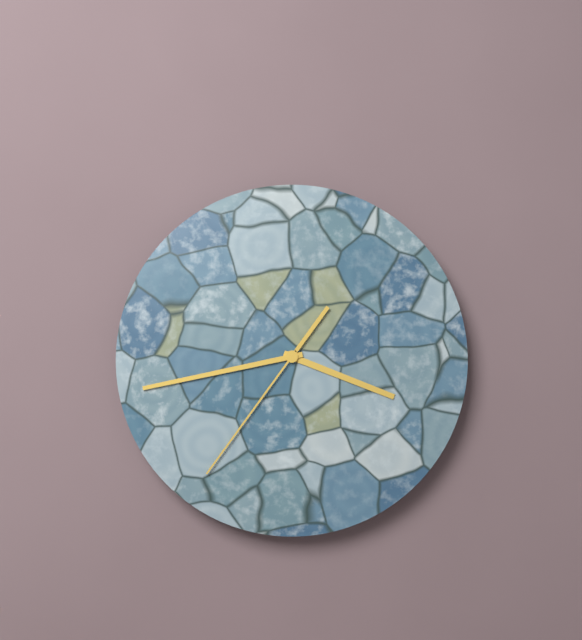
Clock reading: 3h43m36s
